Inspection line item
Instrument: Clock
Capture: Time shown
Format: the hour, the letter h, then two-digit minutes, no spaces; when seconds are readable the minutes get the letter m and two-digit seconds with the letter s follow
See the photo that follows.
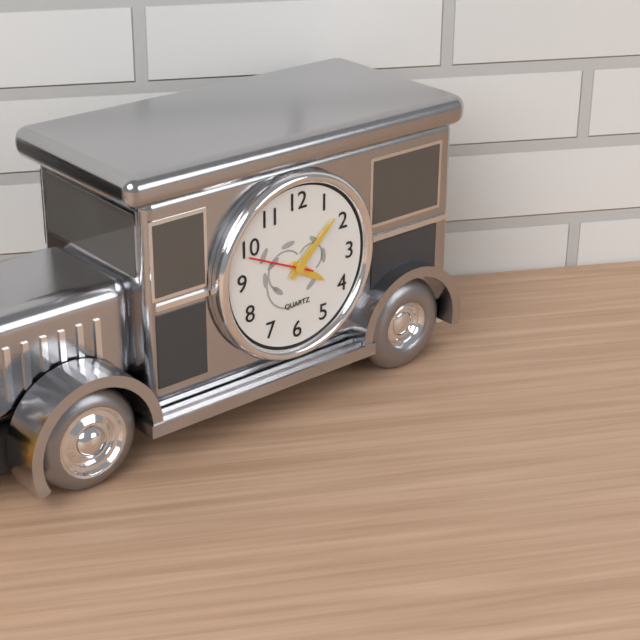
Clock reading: 4h08m49s
